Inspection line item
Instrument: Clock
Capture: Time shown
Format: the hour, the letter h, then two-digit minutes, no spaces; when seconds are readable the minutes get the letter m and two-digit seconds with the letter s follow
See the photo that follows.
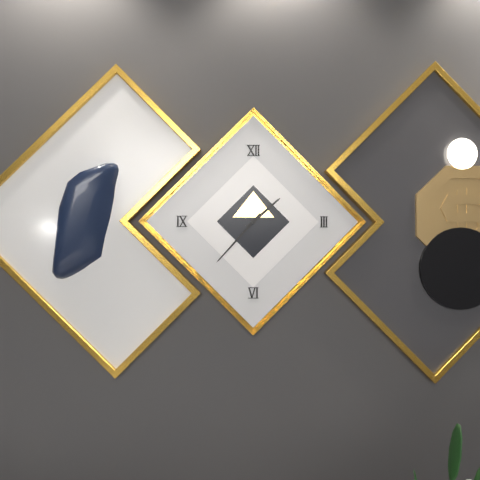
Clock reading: 1h37
